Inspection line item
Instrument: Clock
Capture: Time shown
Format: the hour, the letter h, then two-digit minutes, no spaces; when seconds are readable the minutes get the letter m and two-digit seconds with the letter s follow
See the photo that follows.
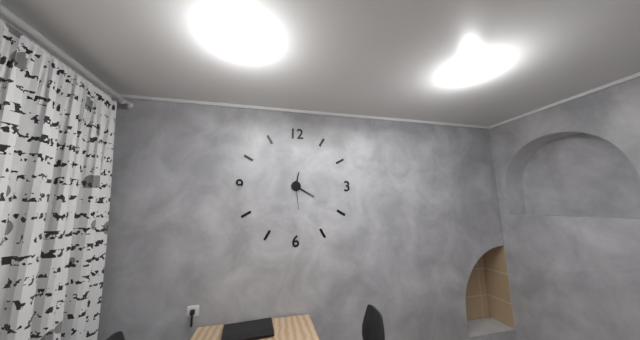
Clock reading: 12h20
